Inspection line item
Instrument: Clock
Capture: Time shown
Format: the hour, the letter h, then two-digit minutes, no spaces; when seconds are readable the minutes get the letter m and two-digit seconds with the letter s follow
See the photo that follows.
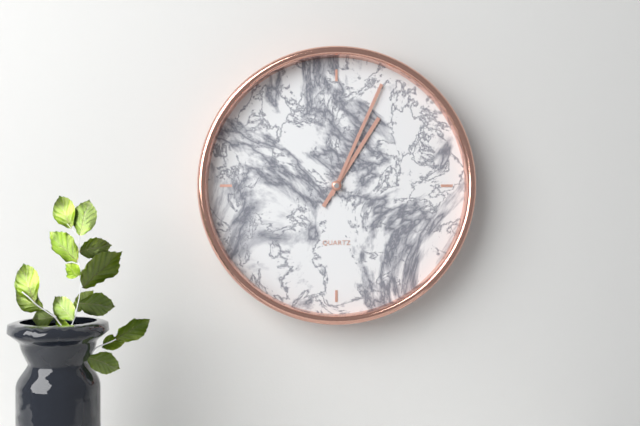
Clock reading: 1h04
